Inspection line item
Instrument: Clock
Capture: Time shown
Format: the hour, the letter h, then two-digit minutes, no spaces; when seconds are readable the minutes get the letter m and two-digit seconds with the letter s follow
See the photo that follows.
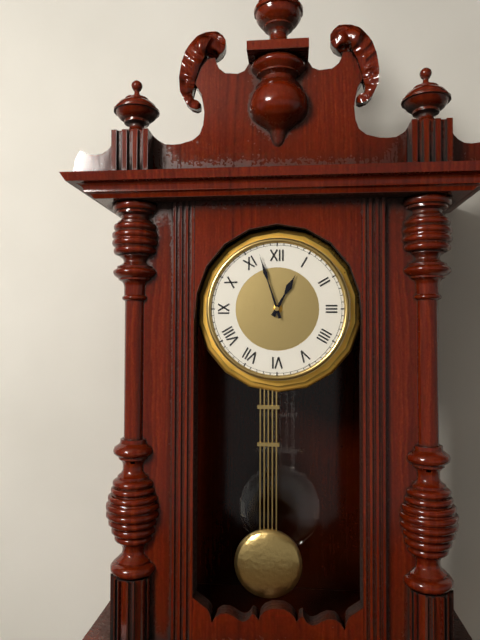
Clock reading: 12h57
